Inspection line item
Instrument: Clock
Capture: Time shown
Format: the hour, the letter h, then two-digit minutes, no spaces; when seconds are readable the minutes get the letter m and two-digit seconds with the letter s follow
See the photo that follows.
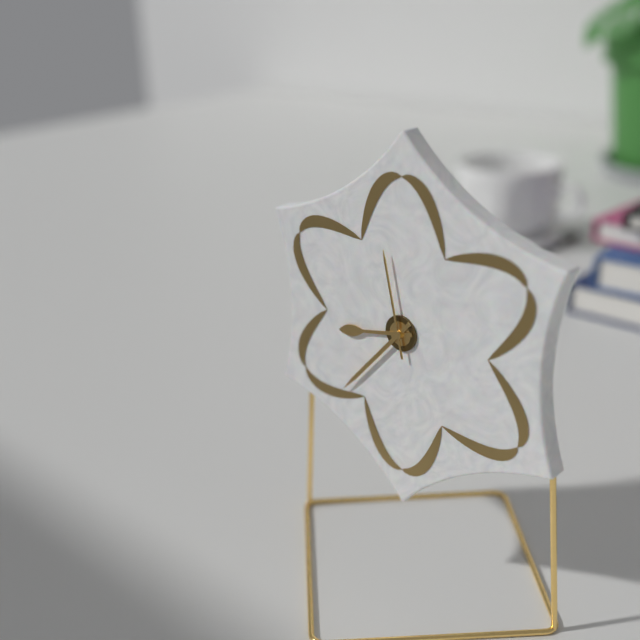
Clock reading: 8h37m58s
